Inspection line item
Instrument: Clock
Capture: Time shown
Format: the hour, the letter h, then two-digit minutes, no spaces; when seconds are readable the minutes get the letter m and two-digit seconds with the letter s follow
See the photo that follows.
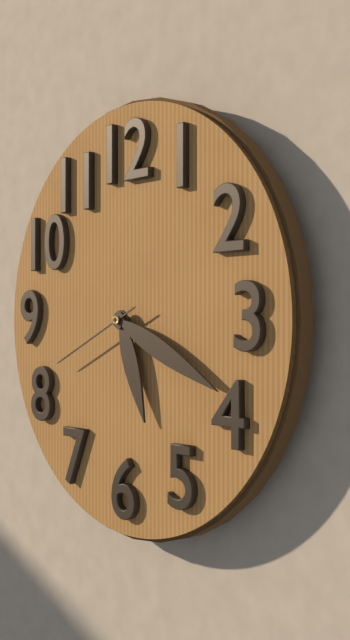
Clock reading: 5h19m41s
